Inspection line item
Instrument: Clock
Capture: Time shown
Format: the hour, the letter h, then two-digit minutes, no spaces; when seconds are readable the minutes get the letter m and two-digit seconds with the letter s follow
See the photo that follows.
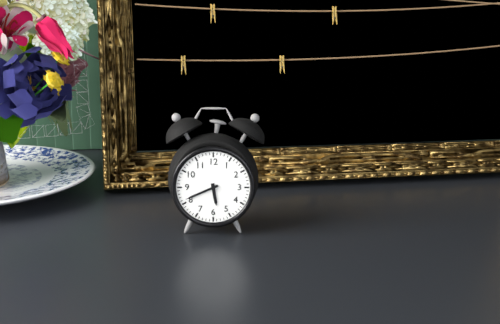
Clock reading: 5h41
